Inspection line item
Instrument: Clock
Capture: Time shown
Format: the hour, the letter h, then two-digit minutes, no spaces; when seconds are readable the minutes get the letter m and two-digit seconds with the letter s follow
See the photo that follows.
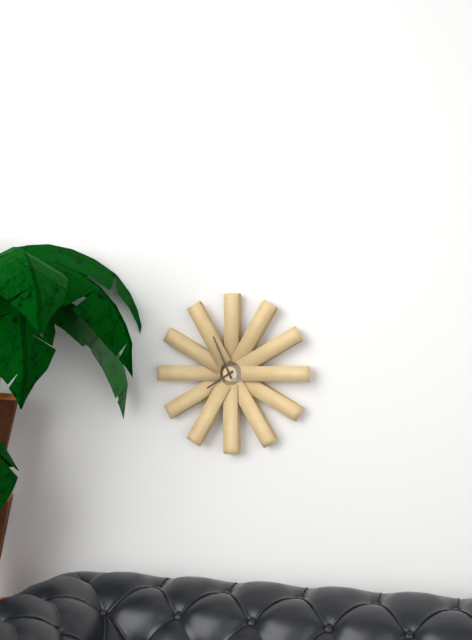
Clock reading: 7h56
